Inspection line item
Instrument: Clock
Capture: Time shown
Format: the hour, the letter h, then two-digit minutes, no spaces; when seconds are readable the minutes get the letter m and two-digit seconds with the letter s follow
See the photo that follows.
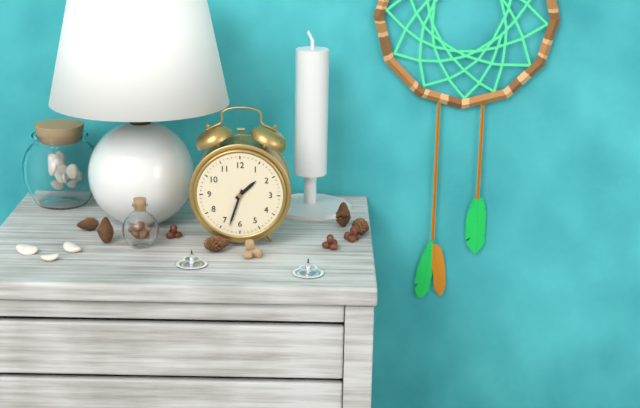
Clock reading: 1h33
